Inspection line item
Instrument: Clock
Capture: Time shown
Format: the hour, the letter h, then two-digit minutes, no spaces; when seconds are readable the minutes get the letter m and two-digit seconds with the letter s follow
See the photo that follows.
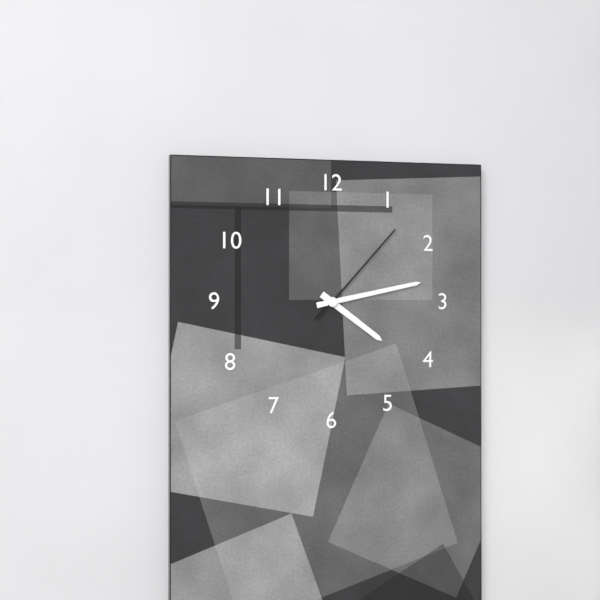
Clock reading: 4h13m07s
